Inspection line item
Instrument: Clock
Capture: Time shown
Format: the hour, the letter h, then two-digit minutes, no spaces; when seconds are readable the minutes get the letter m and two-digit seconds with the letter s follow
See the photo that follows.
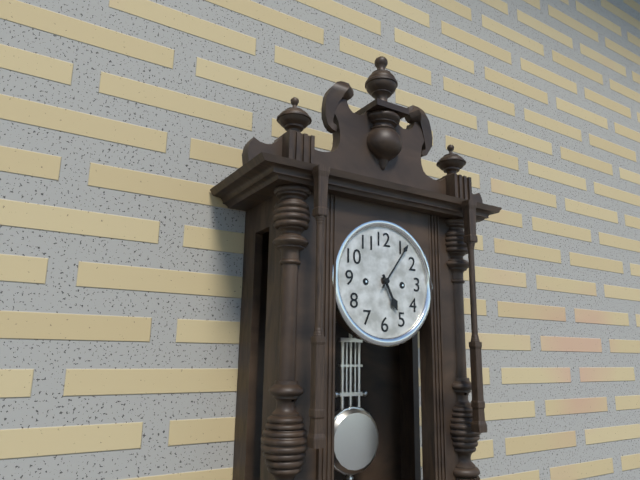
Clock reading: 5h06
